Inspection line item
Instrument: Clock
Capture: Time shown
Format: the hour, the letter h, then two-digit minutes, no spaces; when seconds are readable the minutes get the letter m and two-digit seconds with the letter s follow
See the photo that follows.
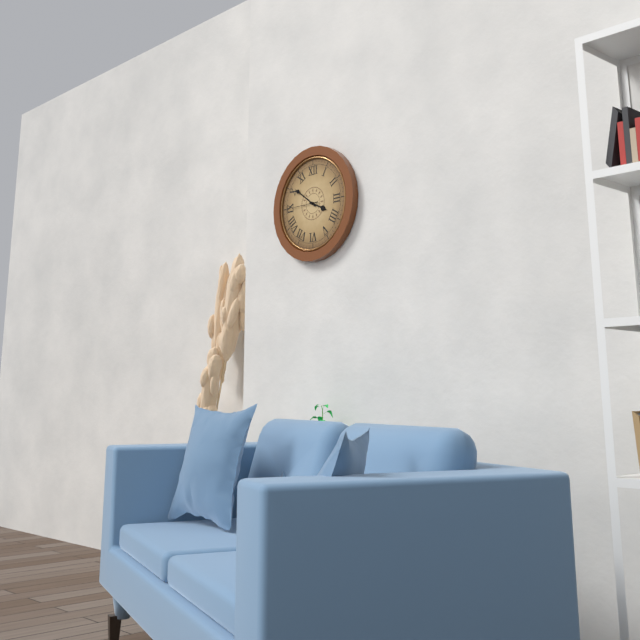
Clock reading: 3h51
